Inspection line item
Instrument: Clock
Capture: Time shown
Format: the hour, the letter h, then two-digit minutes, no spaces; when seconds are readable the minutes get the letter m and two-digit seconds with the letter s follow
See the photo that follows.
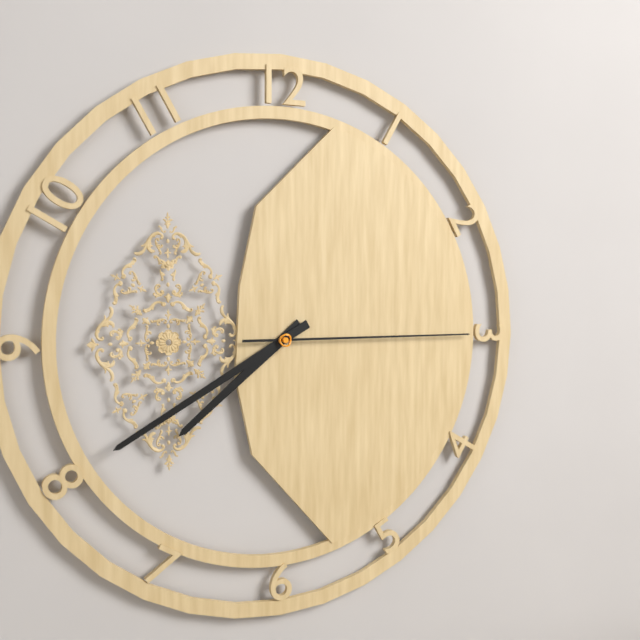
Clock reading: 7h40m15s
